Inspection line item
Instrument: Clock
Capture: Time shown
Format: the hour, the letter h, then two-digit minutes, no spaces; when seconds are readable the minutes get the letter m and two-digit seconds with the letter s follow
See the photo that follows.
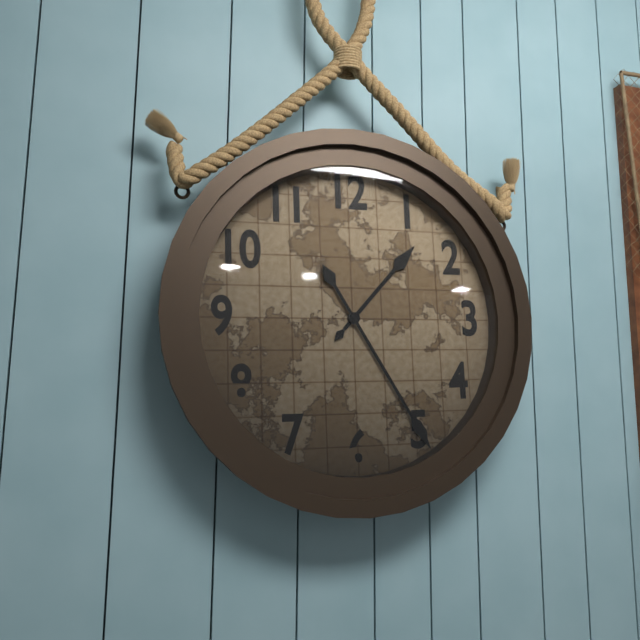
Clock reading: 1h25
